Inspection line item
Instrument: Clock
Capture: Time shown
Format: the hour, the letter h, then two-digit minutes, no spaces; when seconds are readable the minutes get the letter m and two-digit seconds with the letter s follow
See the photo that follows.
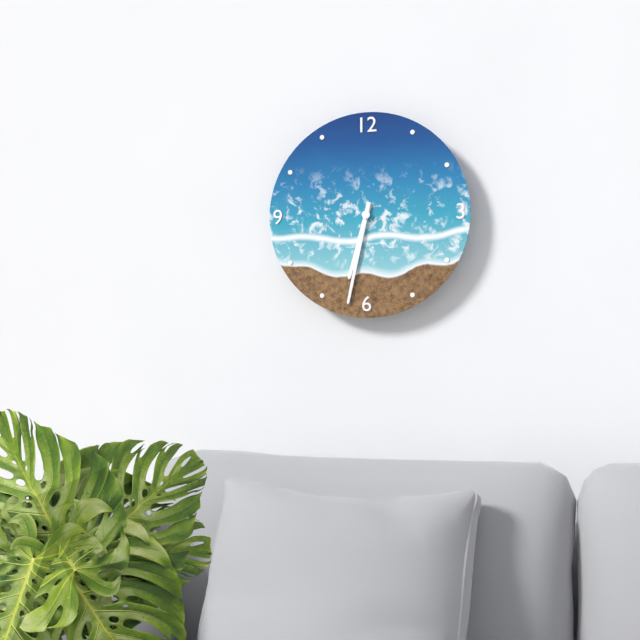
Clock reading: 6h32
